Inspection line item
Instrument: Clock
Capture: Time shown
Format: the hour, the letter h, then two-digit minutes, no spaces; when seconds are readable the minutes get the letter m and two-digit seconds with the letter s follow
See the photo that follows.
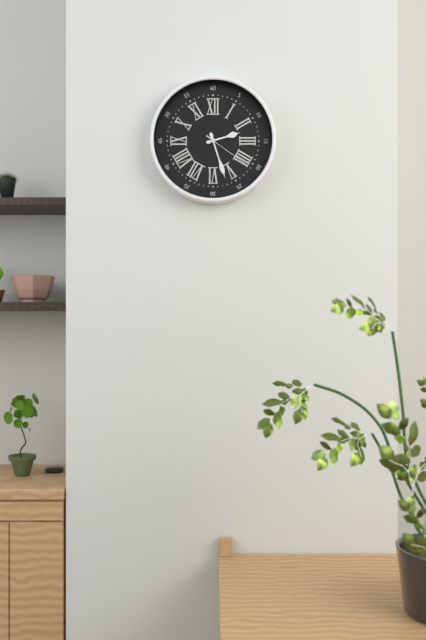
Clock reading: 2h27
